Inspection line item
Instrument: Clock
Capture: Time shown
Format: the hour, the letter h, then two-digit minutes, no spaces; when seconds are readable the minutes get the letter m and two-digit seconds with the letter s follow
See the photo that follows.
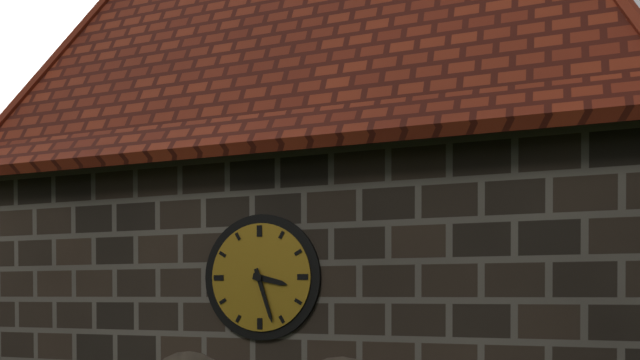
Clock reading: 3h27
